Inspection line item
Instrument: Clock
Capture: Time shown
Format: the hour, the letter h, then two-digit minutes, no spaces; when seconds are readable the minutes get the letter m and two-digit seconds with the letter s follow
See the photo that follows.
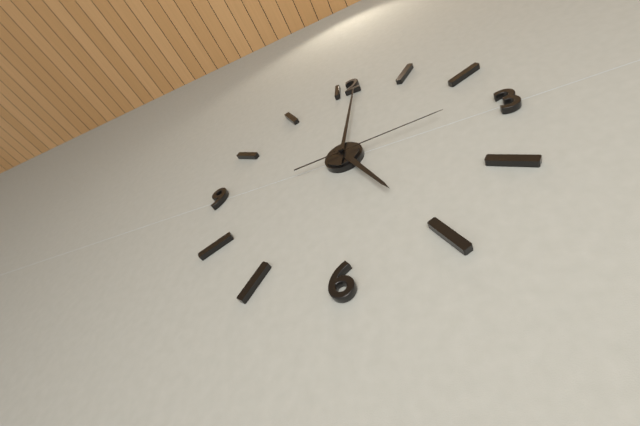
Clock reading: 5h01m14s
